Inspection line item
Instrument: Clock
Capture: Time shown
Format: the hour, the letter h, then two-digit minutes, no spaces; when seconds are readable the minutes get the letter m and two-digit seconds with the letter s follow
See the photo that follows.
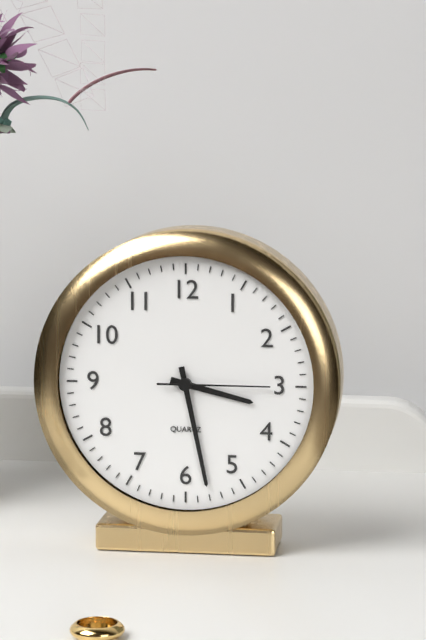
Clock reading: 3h28m15s
